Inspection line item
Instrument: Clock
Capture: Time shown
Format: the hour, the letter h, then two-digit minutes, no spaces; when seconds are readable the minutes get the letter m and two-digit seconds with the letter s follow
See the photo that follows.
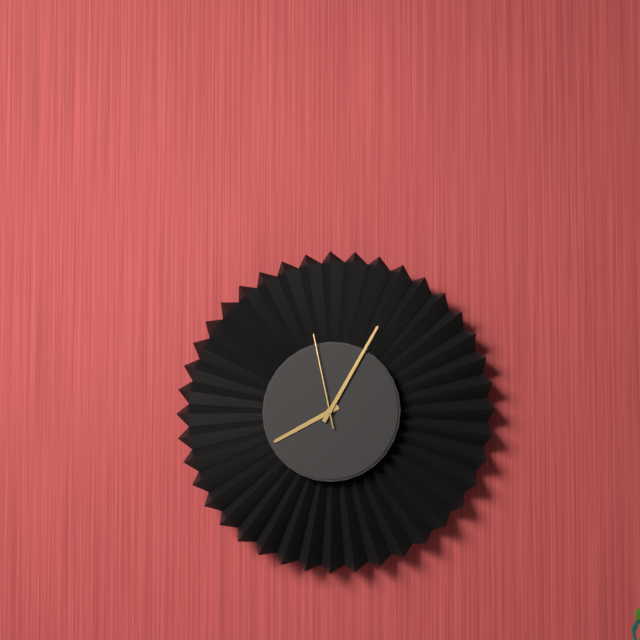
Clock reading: 8h05m58s
